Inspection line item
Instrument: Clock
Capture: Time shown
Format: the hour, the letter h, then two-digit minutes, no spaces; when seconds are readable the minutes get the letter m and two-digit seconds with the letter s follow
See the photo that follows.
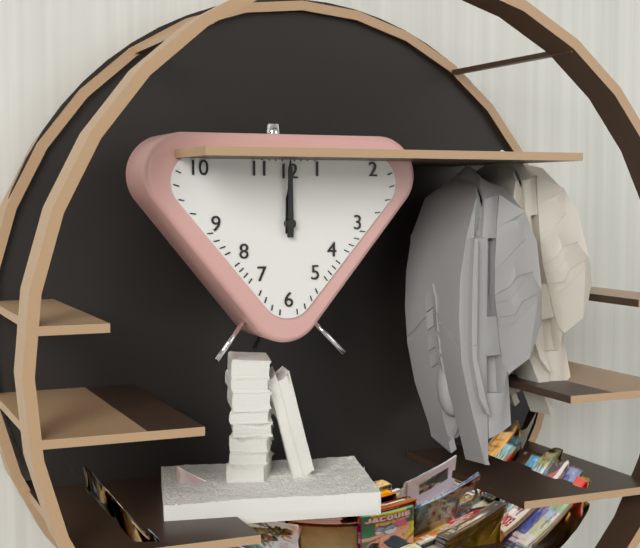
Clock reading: 12h00
